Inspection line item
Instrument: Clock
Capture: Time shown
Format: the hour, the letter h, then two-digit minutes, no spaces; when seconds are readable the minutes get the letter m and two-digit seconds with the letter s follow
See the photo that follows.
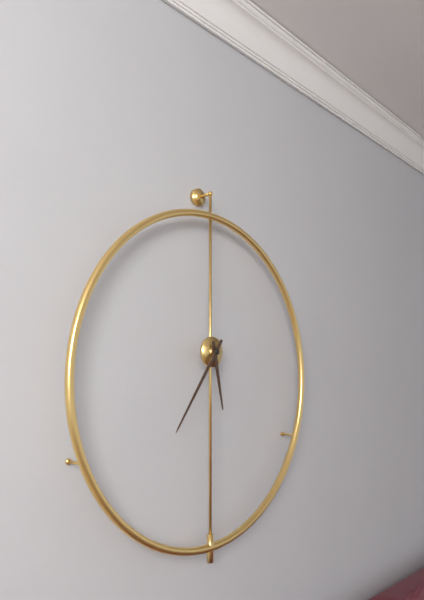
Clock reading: 5h36
